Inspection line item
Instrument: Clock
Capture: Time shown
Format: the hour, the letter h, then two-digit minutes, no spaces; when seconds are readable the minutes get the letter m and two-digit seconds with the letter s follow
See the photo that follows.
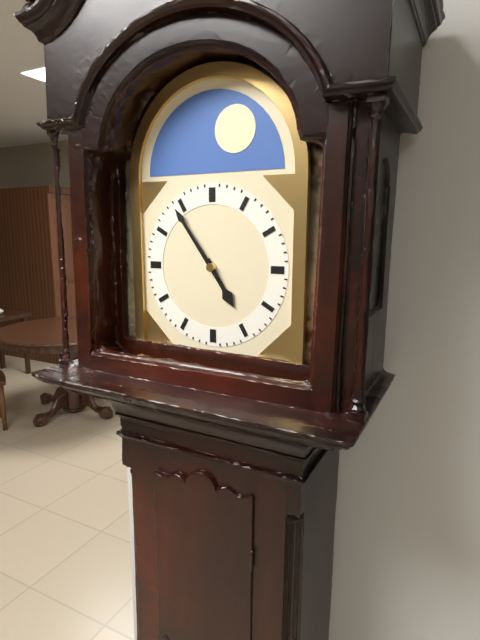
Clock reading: 4h54
